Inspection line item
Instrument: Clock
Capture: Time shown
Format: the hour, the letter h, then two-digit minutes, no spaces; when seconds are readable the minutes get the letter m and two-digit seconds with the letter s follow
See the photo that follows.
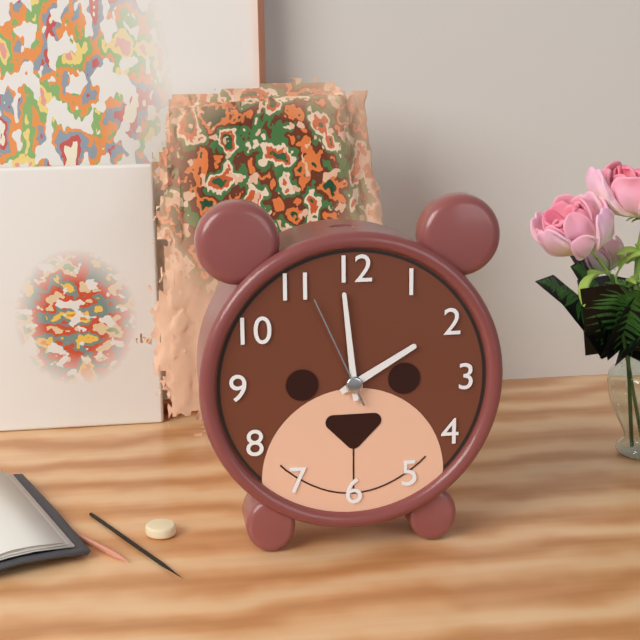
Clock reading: 1h59m56s
